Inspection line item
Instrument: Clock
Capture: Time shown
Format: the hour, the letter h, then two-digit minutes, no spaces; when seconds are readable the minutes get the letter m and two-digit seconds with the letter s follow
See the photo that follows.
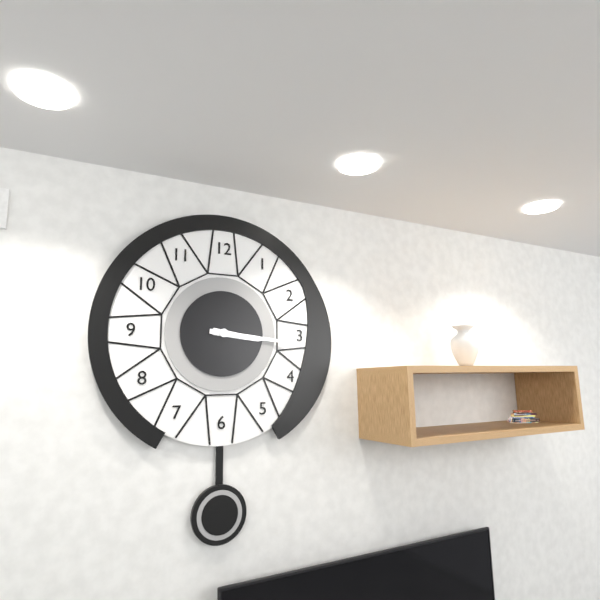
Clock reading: 3h16
